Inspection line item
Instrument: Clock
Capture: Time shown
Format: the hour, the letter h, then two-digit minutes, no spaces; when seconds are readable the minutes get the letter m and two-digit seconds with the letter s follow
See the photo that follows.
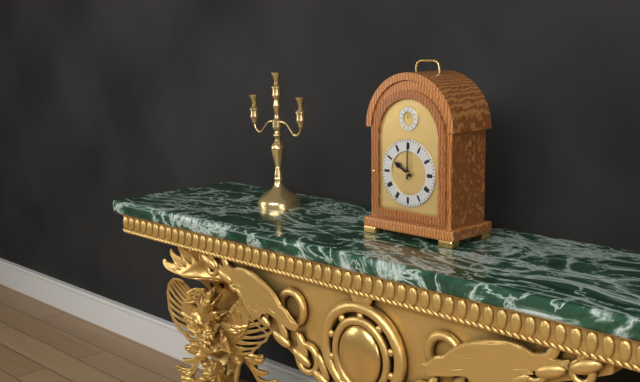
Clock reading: 10h00
